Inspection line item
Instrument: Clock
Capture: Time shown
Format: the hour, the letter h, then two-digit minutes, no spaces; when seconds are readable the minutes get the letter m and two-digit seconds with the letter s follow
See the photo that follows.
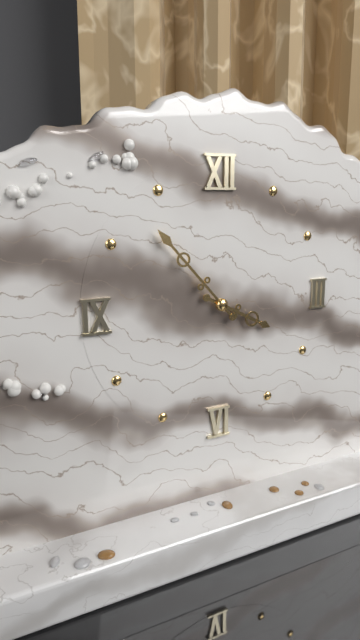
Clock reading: 3h53
